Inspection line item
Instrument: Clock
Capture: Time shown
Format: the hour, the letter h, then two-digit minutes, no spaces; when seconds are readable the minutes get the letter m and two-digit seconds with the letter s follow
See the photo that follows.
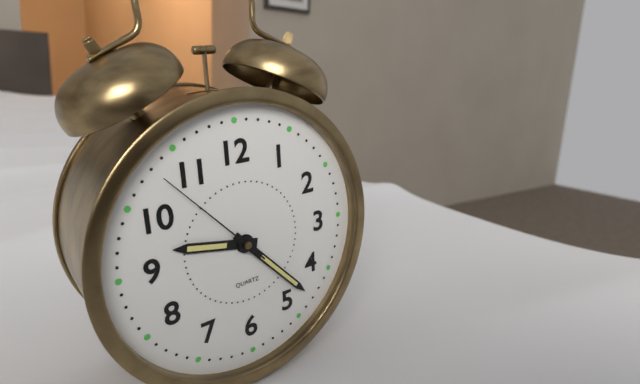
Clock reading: 9h23m53s
